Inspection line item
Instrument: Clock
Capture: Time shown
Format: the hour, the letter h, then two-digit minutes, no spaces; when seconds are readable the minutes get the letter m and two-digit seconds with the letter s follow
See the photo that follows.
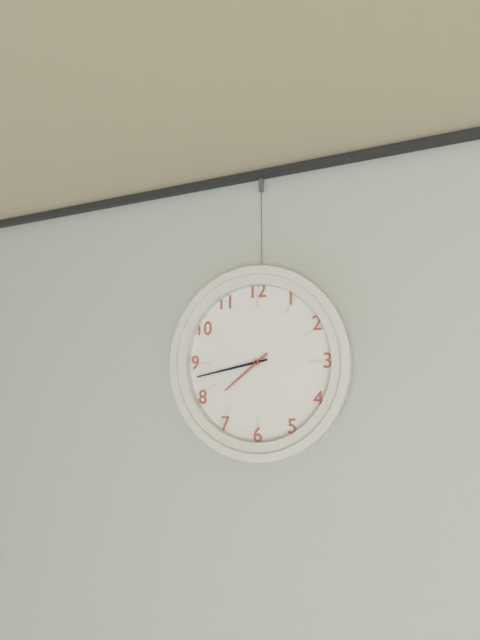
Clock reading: 7h43
